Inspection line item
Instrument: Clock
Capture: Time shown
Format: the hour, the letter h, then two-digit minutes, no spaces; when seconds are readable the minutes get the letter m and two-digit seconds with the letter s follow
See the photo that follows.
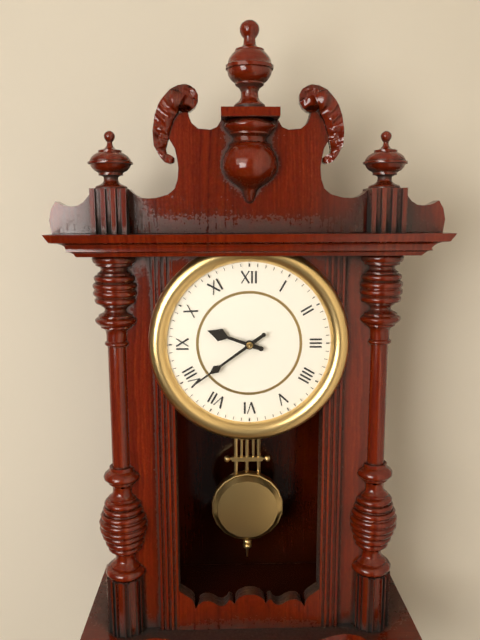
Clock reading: 9h39
